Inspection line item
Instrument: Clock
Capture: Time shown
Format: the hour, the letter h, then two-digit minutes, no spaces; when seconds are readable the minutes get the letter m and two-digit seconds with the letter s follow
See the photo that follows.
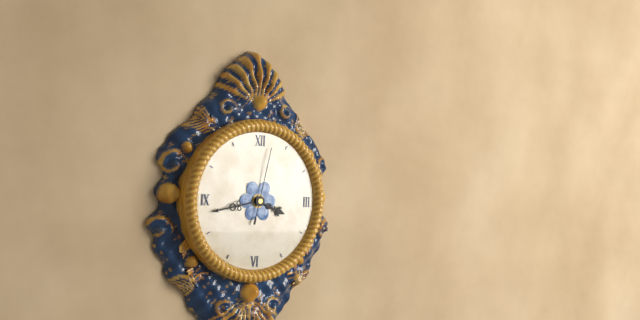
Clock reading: 3h43m02s
